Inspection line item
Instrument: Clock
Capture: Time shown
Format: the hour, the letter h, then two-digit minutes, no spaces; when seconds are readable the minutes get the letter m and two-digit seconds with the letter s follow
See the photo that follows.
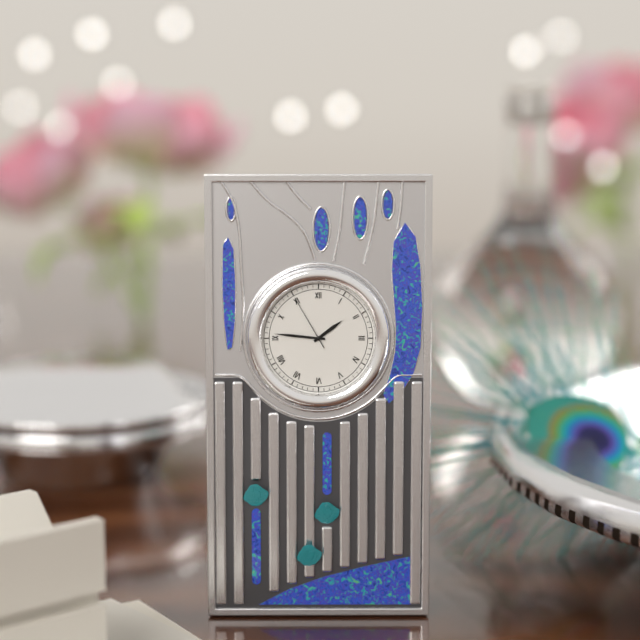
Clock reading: 1h46m55s
